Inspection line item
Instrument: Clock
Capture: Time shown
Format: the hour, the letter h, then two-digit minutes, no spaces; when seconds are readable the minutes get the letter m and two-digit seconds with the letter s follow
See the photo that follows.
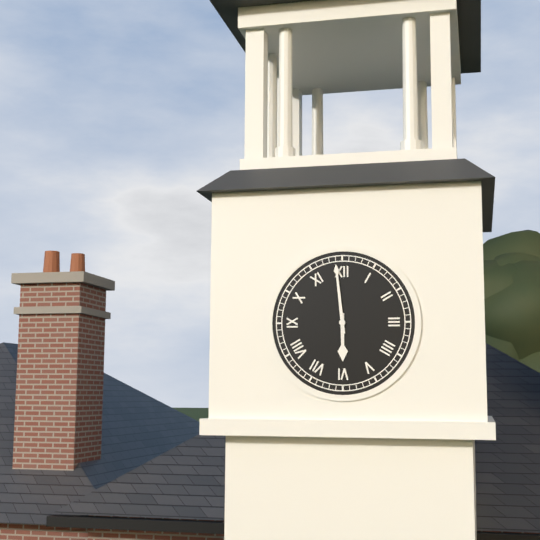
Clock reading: 5h59
